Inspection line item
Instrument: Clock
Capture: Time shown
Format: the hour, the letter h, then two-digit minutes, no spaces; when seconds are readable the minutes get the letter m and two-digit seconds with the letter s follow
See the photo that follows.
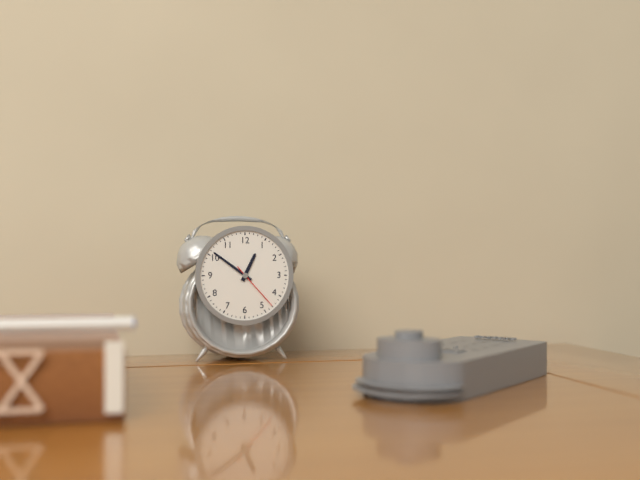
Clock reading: 12h51m23s
